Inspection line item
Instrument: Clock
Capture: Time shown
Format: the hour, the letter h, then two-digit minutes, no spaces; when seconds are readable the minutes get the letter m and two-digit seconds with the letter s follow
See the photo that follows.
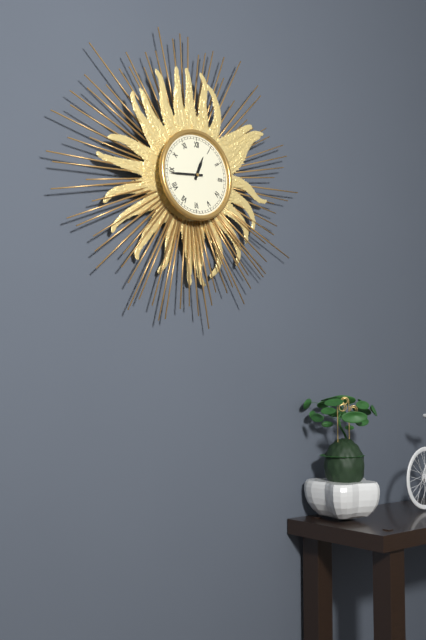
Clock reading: 12h44
